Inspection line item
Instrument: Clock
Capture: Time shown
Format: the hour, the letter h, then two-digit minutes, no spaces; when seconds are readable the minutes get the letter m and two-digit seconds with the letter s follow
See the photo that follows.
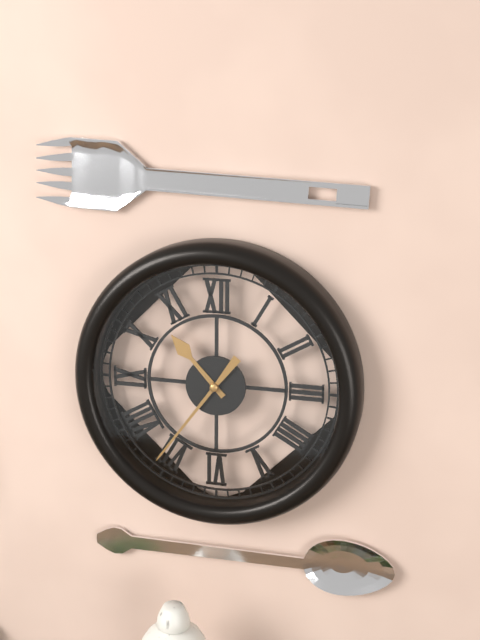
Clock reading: 10h36
